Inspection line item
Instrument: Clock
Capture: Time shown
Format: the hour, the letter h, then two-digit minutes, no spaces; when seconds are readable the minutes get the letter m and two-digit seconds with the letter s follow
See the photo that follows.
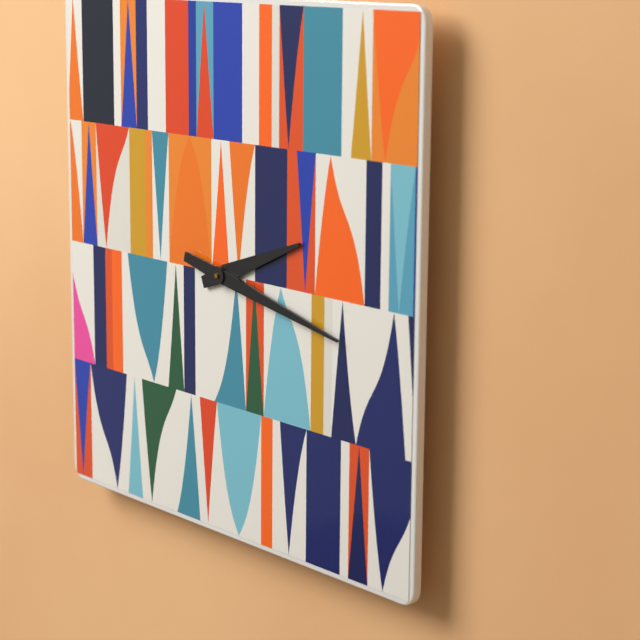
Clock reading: 2h17
